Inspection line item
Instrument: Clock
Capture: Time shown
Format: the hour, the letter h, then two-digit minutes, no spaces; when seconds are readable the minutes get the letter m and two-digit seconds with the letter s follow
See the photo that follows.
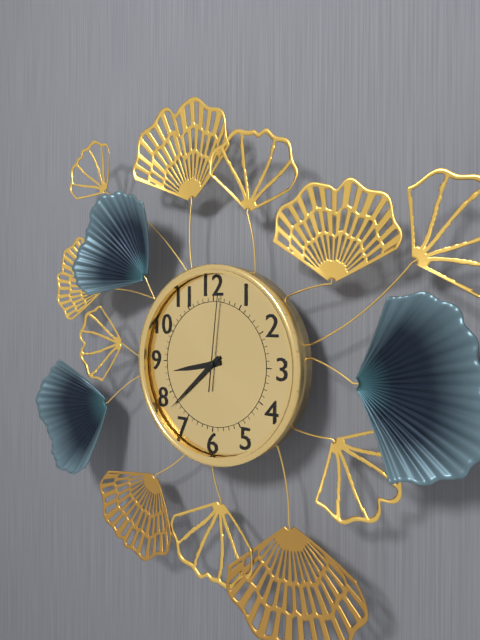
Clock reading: 8h38m01s
